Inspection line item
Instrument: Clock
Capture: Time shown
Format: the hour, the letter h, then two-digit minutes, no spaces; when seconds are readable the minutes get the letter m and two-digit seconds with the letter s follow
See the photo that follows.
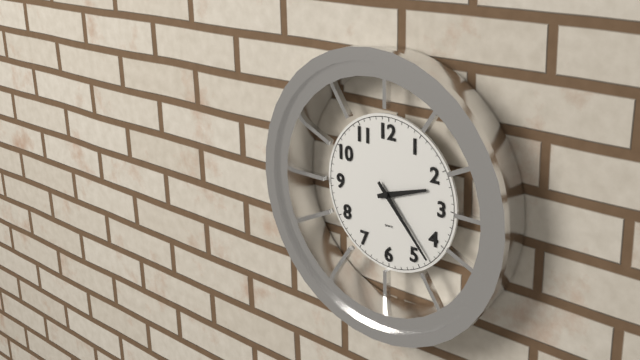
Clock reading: 2h23
